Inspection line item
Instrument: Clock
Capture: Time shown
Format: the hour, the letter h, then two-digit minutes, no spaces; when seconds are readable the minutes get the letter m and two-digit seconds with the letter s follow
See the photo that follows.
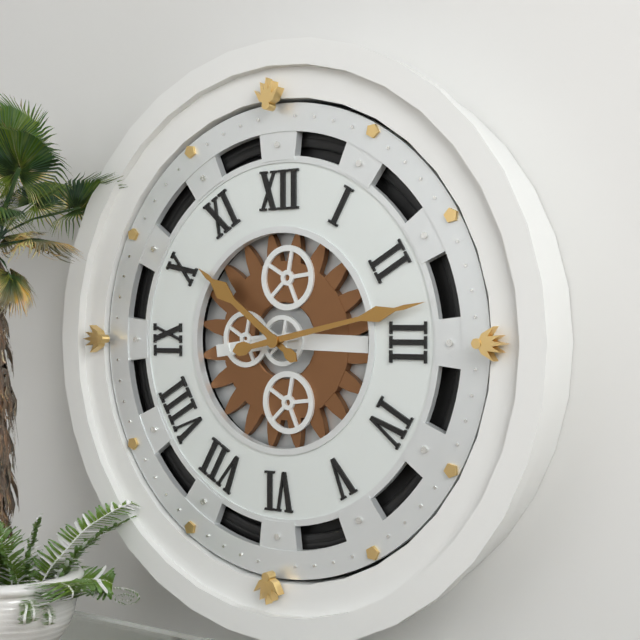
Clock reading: 10h13
